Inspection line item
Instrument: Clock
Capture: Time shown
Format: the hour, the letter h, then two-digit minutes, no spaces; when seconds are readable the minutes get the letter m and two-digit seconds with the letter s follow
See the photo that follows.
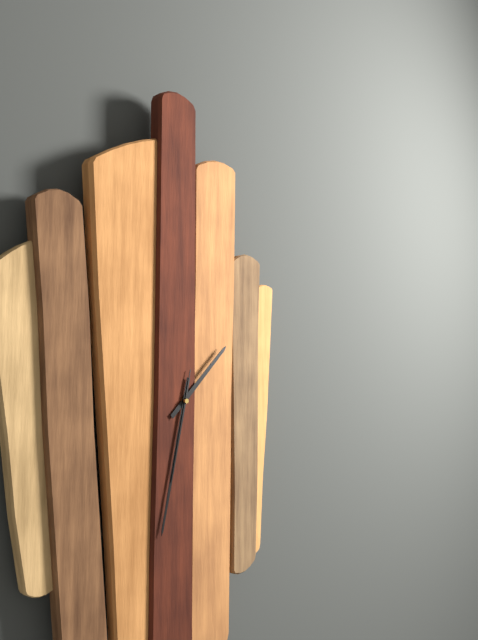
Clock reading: 1h32m32s
